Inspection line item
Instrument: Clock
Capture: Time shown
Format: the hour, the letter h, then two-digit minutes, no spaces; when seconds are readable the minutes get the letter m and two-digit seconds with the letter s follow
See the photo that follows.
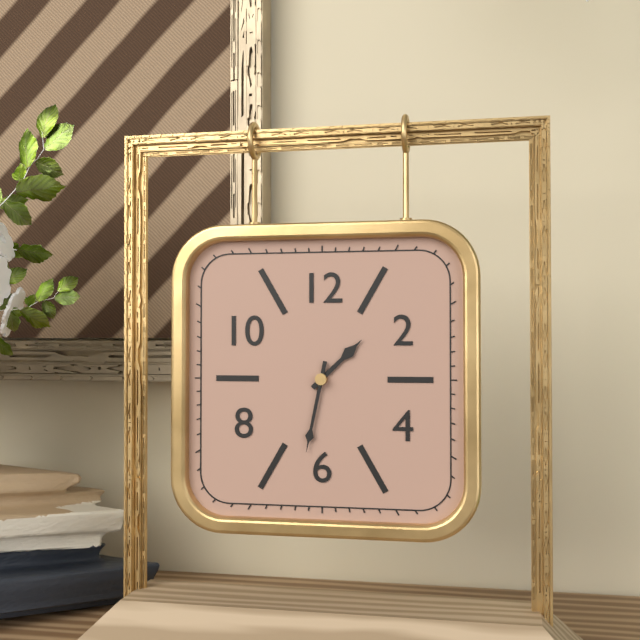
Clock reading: 1h32
